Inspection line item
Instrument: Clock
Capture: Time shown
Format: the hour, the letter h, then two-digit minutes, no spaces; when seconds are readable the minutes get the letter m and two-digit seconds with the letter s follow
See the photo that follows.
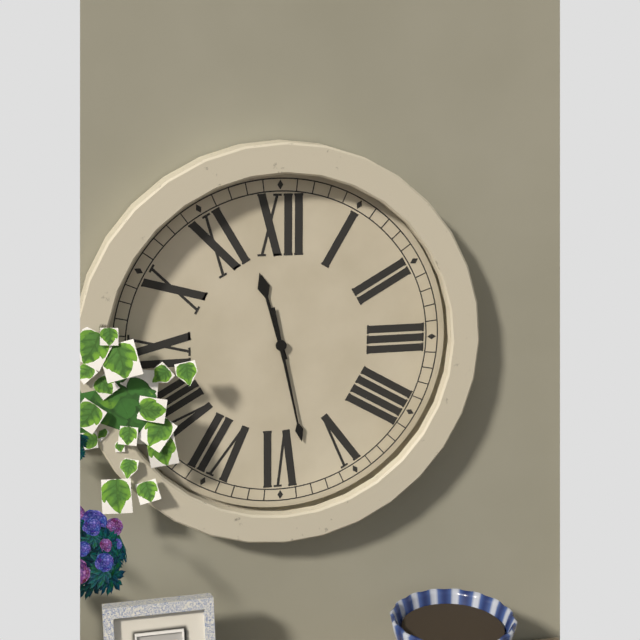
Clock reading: 11h28
